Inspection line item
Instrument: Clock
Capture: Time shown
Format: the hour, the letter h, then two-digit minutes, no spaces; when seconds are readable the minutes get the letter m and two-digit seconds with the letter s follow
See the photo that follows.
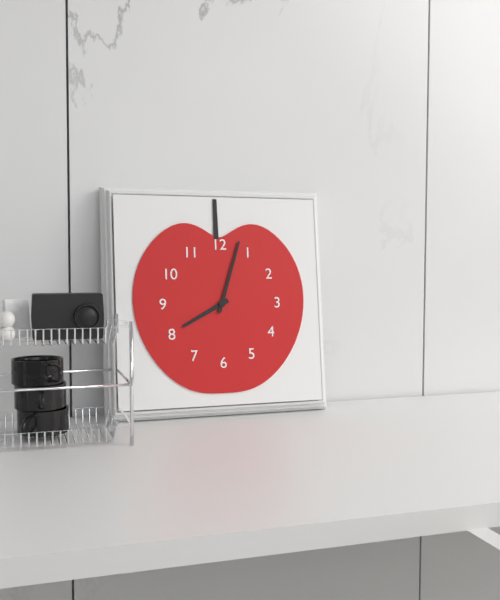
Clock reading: 8h03
